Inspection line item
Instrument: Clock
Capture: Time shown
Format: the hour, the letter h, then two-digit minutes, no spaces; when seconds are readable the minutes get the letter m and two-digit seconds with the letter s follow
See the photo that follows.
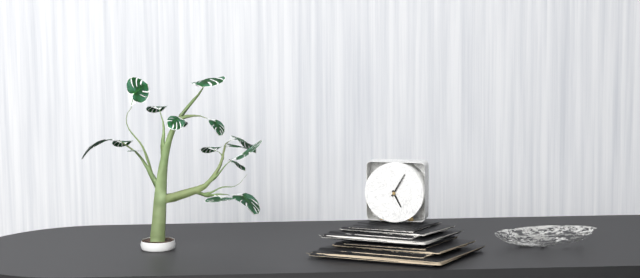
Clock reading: 5h05
